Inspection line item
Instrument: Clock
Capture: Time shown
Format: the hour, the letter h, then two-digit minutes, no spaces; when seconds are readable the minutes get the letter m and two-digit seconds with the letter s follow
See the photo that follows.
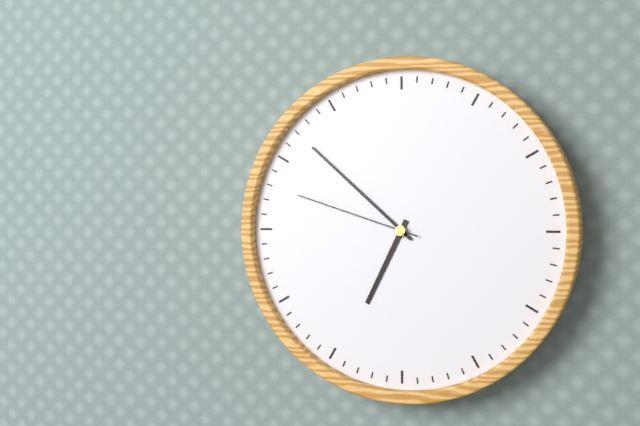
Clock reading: 6h52m48s
